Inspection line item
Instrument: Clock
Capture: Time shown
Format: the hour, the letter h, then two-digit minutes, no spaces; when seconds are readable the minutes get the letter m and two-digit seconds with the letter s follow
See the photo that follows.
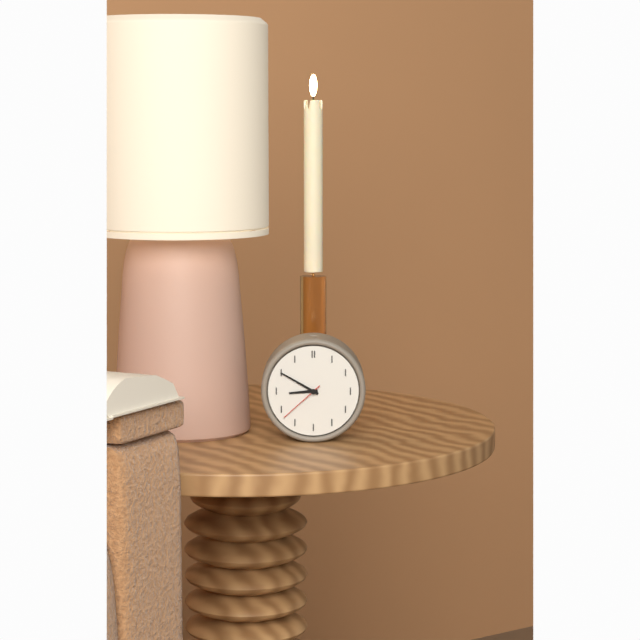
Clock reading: 8h50
